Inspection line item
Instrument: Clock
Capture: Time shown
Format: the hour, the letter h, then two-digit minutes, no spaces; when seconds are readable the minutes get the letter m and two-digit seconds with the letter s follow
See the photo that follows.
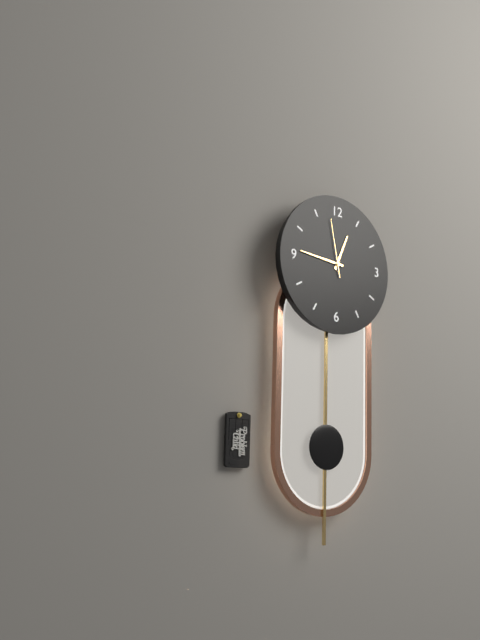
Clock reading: 12h46m58s
